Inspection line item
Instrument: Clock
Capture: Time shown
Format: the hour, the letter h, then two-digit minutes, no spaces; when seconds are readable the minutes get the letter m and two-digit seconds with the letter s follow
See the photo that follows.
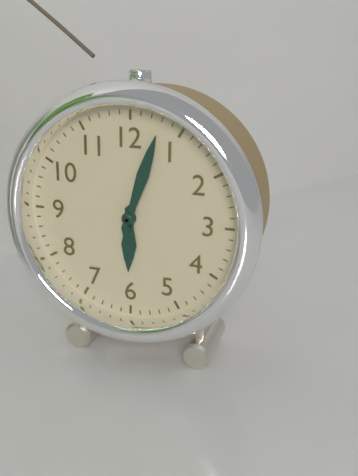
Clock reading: 6h03
